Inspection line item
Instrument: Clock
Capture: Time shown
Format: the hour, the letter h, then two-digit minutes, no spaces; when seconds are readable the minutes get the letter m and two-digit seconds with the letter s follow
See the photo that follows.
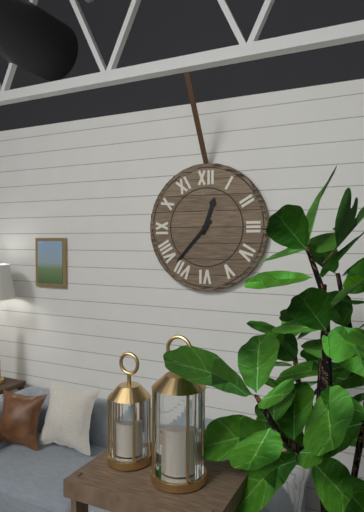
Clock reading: 12h37
